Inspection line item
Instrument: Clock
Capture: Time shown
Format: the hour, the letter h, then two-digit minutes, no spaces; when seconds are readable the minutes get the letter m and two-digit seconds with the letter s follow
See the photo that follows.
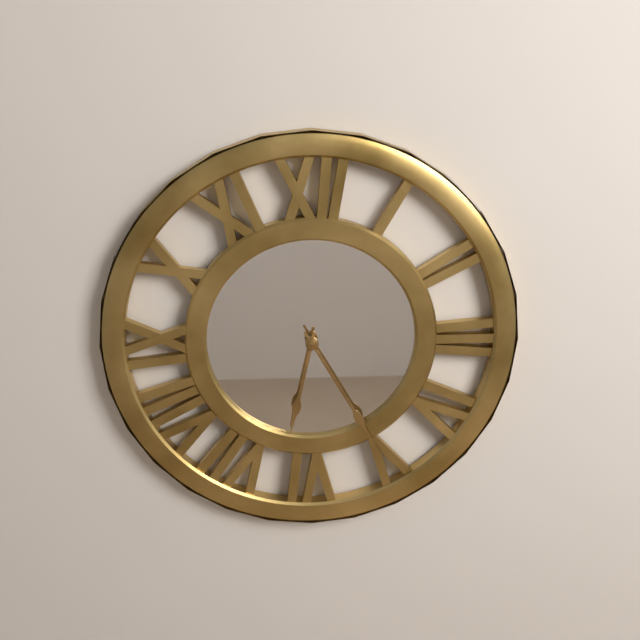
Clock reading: 6h25
